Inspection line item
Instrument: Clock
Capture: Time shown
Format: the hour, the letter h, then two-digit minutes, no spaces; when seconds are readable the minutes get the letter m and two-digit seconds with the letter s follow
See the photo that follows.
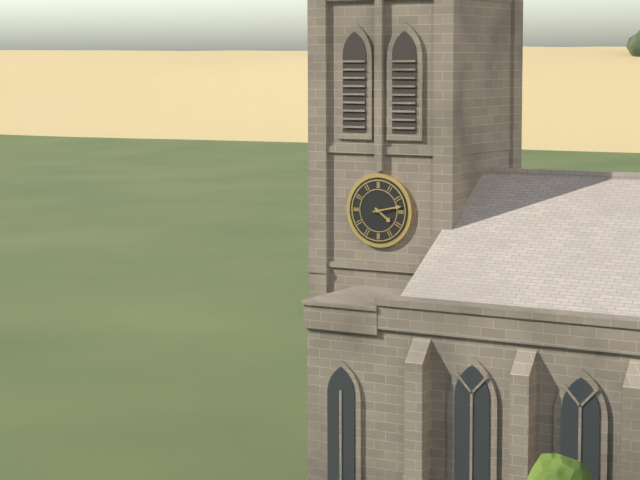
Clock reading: 4h13
